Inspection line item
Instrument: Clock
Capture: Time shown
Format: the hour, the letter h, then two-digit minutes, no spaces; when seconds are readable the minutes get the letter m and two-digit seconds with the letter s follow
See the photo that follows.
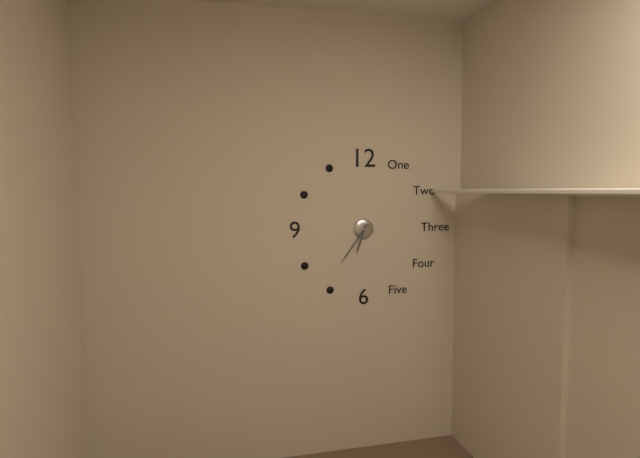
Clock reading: 6h36
